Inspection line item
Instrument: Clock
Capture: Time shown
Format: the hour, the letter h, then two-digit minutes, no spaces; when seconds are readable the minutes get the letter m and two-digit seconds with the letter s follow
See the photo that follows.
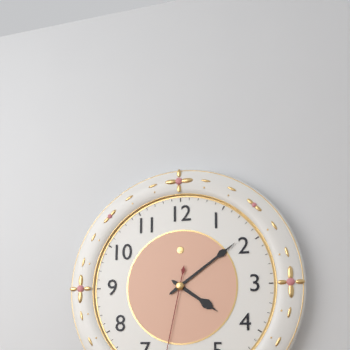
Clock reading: 4h09
